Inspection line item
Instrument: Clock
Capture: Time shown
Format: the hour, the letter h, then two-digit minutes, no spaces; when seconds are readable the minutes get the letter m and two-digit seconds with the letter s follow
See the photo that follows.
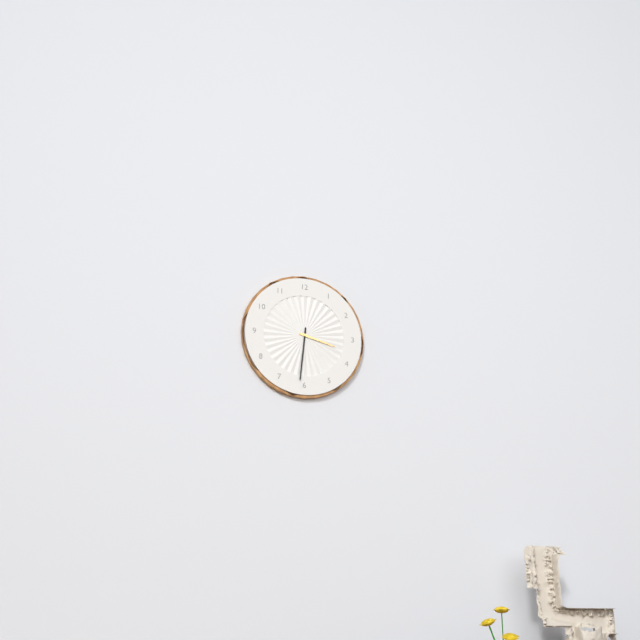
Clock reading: 3h31
